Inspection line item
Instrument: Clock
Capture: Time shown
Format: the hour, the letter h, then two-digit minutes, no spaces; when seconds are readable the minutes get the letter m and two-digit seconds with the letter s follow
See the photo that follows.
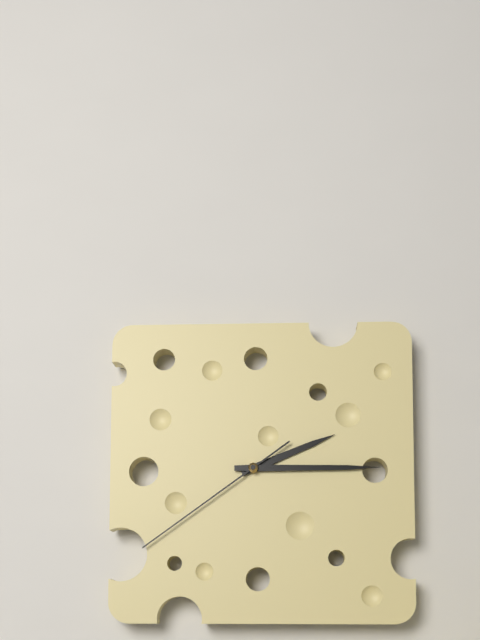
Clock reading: 2h15m39s
